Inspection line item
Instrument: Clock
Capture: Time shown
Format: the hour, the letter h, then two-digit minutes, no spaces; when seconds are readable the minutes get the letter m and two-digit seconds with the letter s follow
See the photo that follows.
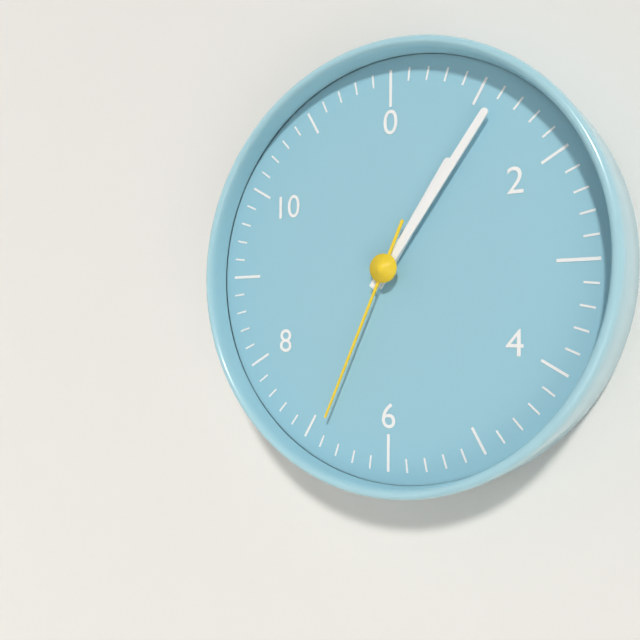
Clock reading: 1h06m34s
